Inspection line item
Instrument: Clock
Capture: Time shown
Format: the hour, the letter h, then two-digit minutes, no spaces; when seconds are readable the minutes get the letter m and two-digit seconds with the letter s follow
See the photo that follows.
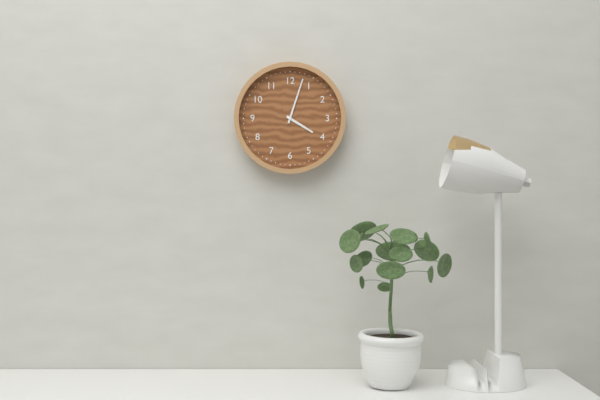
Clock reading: 4h03
